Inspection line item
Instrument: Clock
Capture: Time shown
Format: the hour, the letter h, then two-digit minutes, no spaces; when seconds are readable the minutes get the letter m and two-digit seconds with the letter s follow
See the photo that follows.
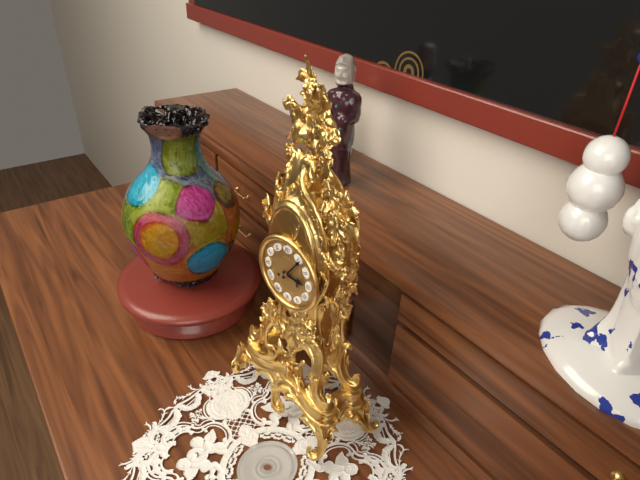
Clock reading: 3h06
